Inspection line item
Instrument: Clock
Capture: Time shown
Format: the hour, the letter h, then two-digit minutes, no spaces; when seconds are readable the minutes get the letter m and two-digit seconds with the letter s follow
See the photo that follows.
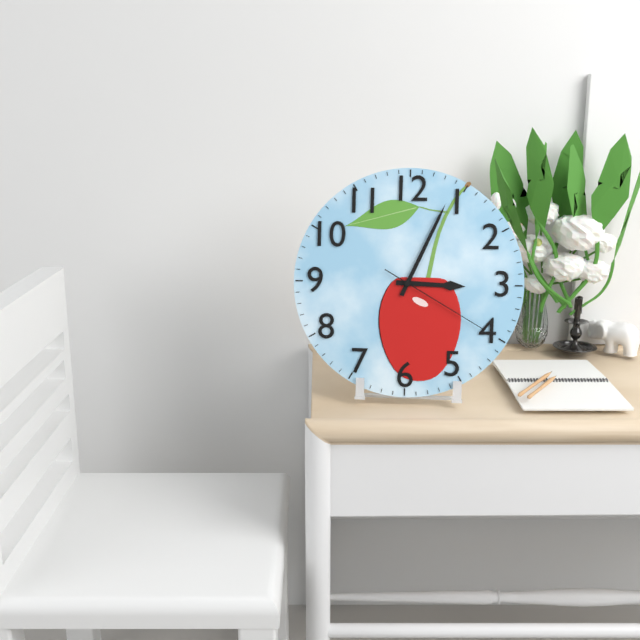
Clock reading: 3h04m20s
